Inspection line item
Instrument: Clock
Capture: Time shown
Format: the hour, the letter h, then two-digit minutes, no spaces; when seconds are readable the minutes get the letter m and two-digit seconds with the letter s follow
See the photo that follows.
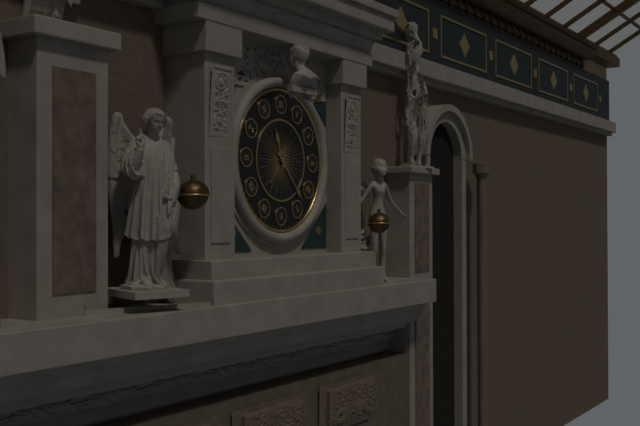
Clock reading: 11h23
